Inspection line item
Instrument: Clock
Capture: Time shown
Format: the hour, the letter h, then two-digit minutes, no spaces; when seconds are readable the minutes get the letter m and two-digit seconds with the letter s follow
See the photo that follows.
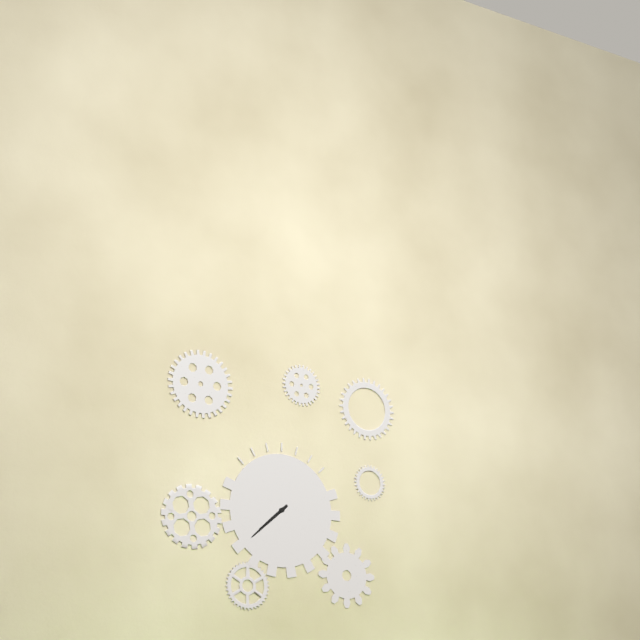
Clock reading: 7h38
